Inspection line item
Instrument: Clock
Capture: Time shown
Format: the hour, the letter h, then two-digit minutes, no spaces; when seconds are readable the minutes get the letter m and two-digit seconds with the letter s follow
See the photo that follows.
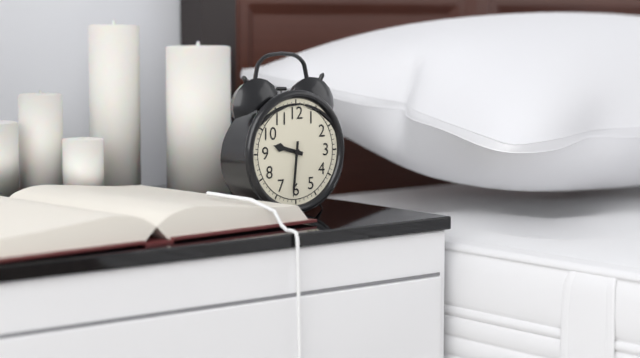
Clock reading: 9h31
